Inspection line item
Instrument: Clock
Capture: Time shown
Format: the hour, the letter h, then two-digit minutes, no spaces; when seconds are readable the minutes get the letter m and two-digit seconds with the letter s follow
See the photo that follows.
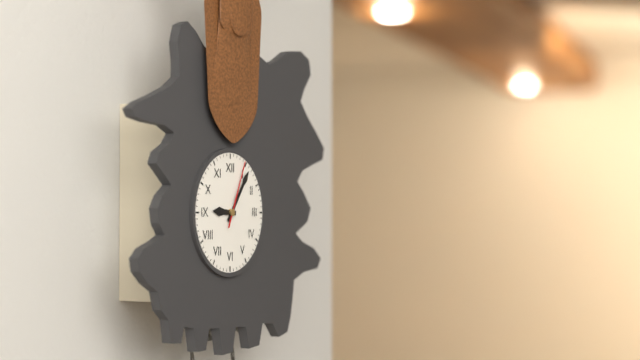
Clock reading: 9h06m04s
